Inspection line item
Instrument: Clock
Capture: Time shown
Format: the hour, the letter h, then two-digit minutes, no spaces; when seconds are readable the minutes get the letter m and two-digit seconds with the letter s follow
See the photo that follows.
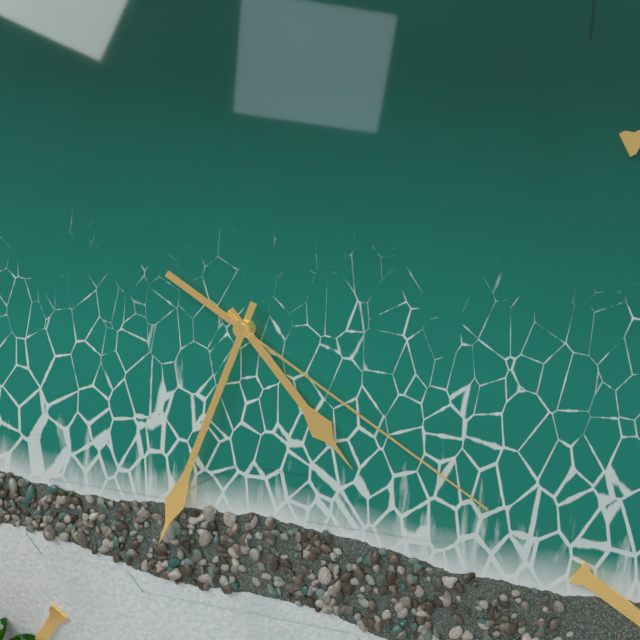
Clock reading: 4h33m20s
